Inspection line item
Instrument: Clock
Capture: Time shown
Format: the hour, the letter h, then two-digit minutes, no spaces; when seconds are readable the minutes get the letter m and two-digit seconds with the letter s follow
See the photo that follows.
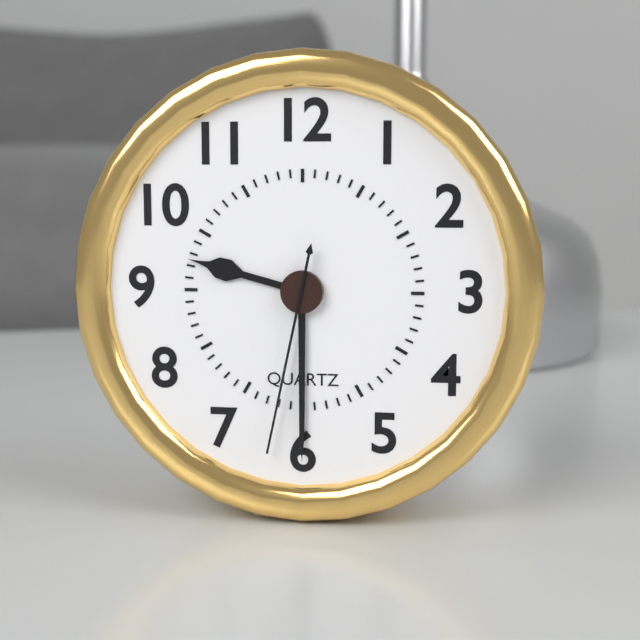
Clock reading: 9h30m32s
